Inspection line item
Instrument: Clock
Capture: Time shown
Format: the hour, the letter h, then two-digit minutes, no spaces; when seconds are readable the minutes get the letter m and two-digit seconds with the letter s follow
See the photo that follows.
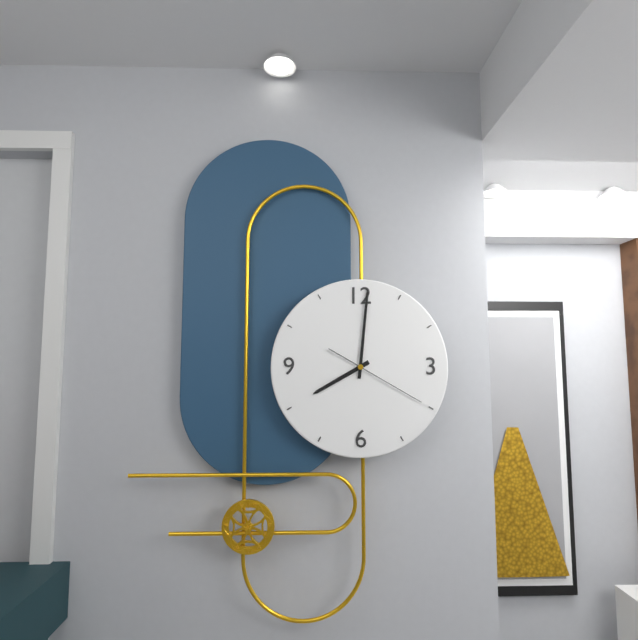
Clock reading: 8h01m20s
